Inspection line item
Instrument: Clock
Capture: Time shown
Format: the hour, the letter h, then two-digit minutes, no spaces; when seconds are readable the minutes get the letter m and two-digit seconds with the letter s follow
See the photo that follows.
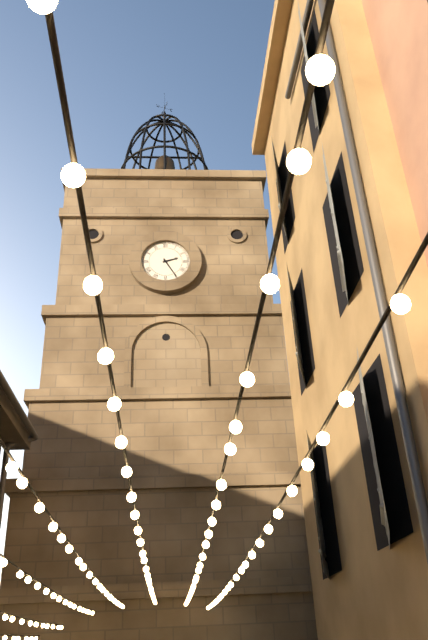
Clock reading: 2h25
